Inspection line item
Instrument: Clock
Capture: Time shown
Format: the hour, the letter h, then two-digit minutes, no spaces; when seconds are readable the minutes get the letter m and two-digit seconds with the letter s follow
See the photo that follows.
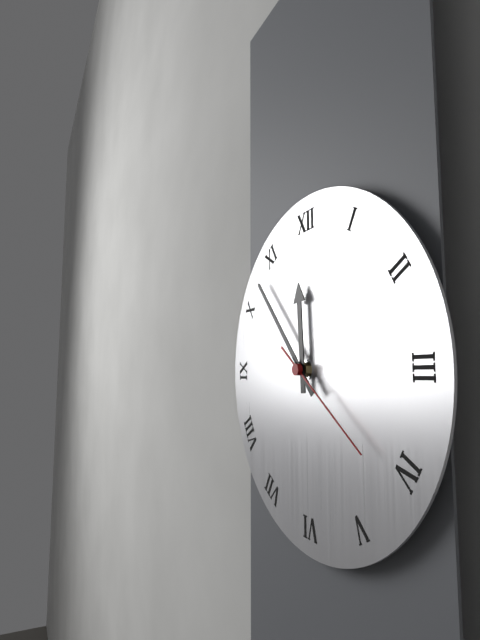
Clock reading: 11h53m21s
